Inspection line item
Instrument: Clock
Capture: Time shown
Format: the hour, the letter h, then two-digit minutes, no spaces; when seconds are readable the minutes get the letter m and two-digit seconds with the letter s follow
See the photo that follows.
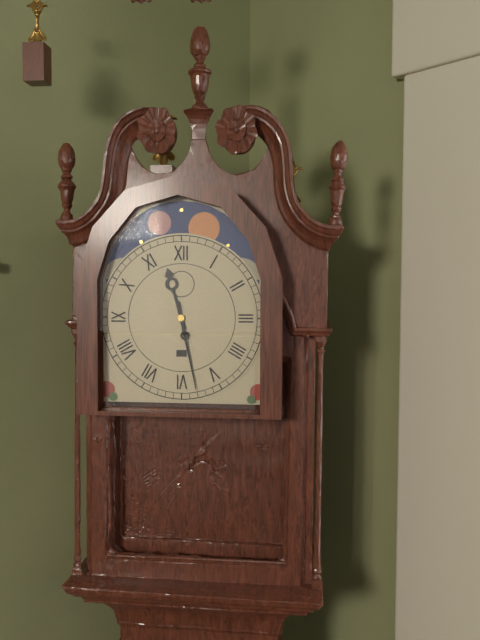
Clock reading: 11h28
